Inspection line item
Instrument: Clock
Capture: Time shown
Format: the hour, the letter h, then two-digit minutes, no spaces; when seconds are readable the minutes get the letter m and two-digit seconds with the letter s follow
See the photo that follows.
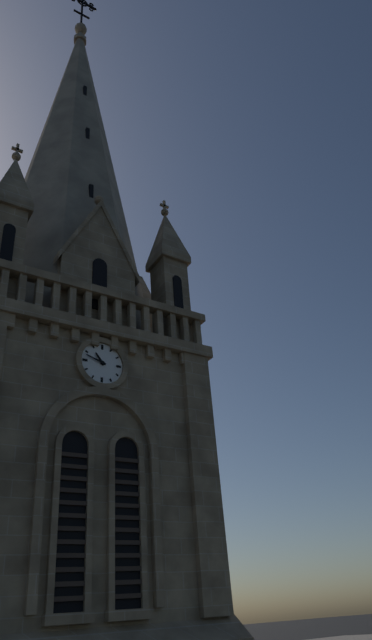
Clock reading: 10h48
